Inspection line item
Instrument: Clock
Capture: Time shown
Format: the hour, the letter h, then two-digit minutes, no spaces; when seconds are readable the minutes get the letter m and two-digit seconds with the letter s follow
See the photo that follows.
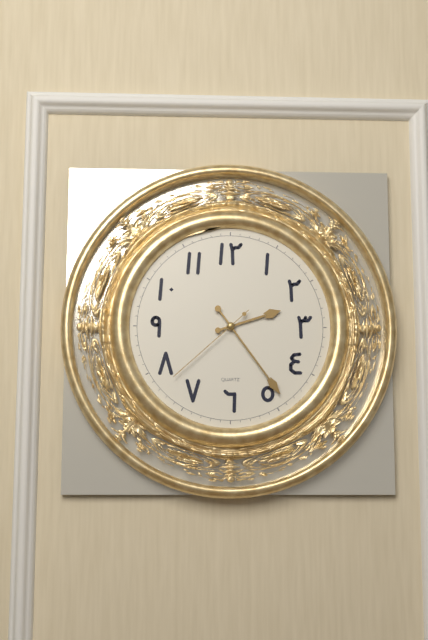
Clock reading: 2h24m38s
